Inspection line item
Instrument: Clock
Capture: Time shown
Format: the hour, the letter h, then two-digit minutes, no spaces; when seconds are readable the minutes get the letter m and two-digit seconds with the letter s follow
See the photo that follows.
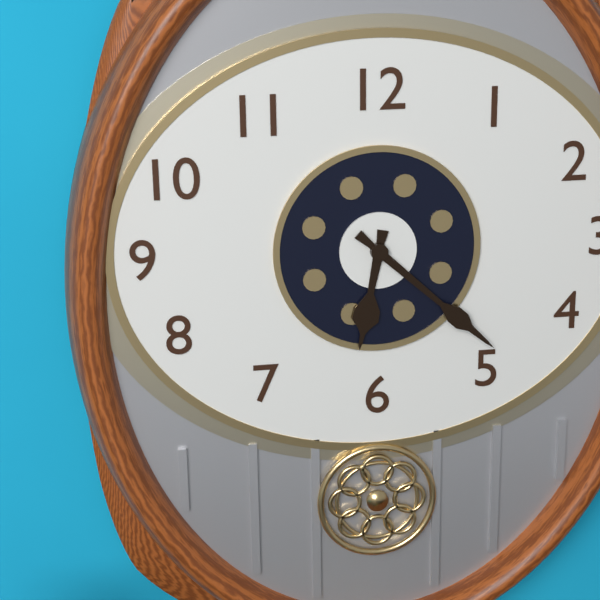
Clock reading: 6h22
